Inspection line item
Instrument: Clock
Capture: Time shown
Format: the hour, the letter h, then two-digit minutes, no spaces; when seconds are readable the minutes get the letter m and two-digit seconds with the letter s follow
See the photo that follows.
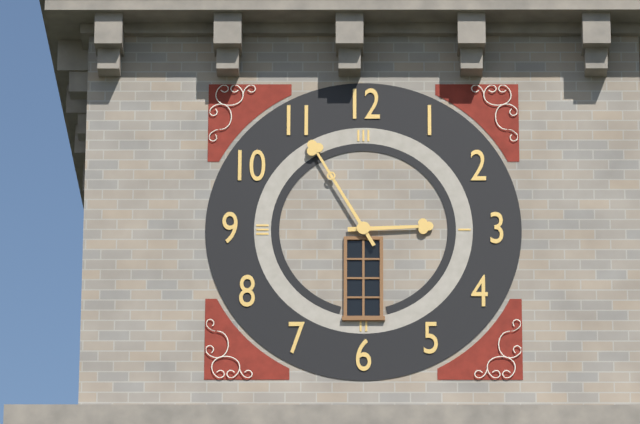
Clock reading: 2h55
